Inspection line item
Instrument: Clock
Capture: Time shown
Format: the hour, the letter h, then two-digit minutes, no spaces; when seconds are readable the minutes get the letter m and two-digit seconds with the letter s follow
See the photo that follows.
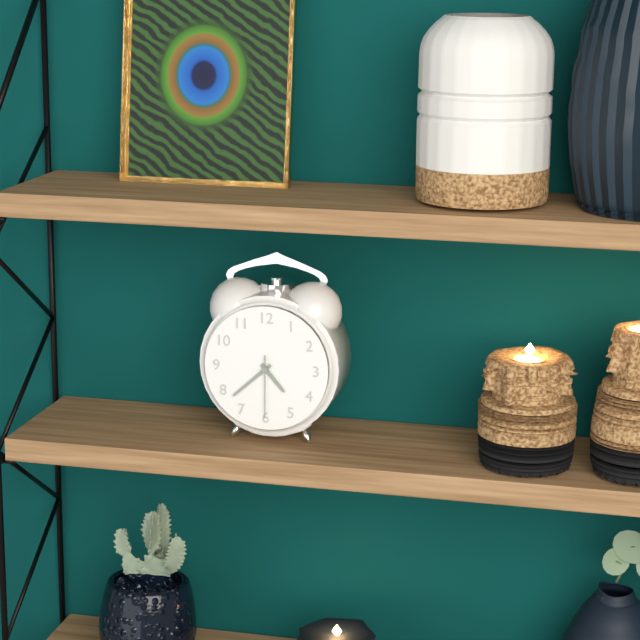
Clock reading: 4h38m30s
